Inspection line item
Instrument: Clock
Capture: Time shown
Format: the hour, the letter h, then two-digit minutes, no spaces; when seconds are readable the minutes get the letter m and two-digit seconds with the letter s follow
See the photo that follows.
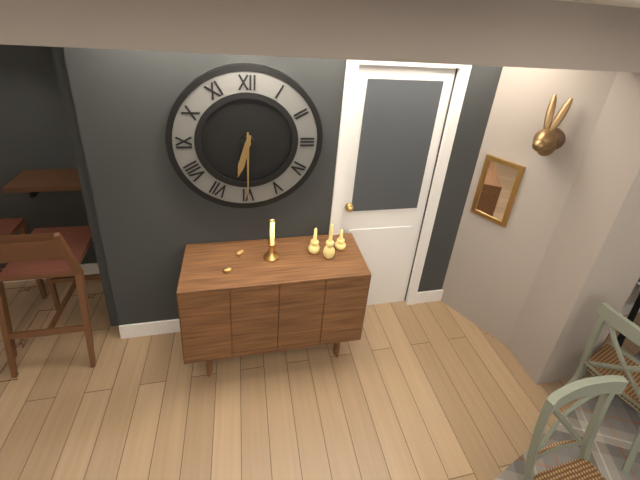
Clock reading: 6h30
